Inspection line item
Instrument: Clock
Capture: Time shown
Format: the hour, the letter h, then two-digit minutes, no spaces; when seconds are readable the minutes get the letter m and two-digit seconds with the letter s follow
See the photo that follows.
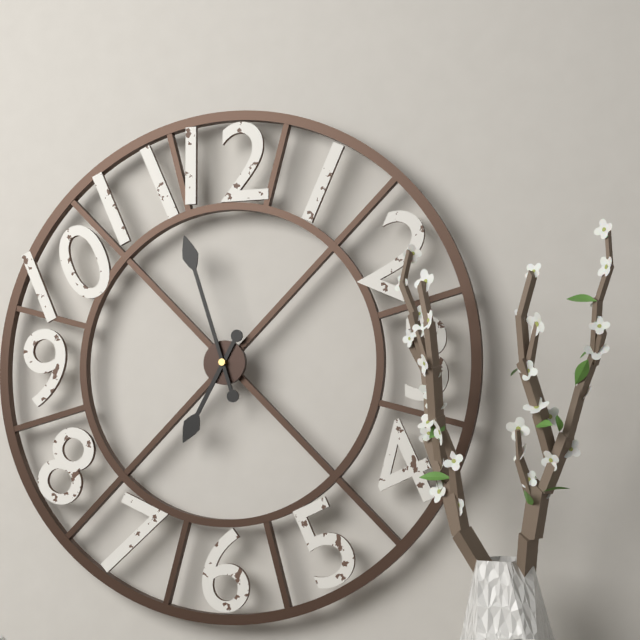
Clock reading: 6h57
